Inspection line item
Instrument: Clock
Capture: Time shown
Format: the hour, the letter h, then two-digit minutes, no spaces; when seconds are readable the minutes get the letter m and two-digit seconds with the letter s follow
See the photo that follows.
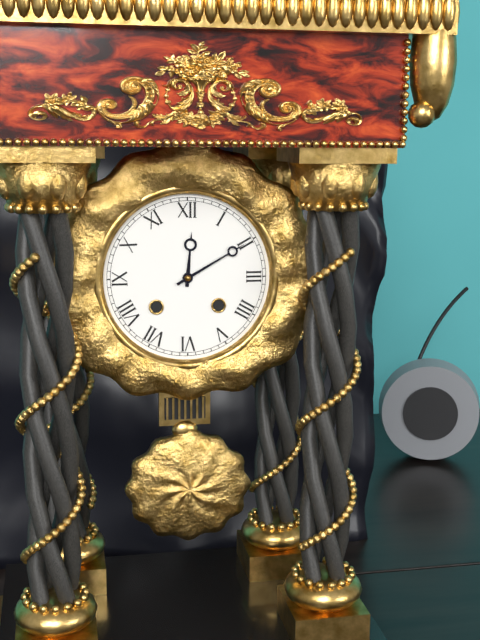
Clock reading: 12h10
